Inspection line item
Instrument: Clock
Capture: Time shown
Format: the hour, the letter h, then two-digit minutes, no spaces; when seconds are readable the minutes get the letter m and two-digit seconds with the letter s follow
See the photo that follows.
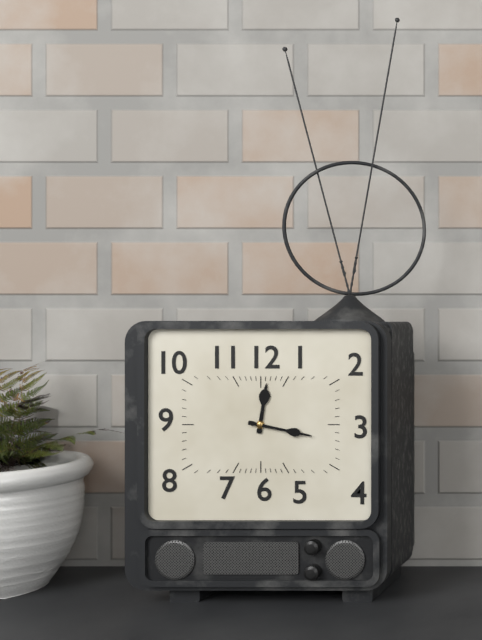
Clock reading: 12h17
